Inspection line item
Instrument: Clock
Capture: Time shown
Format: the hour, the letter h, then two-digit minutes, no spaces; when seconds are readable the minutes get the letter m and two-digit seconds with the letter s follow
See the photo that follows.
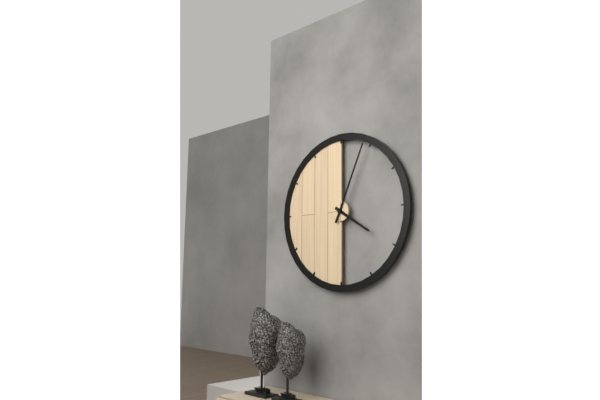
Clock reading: 4h04
